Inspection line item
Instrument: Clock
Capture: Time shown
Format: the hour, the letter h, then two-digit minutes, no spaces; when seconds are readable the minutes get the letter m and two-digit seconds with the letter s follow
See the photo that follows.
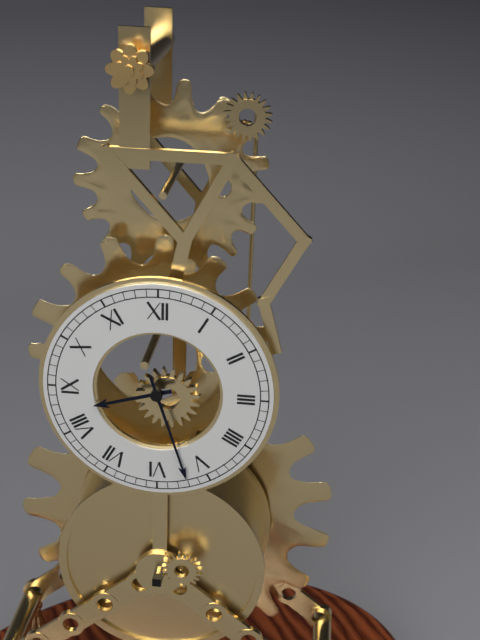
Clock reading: 8h27
